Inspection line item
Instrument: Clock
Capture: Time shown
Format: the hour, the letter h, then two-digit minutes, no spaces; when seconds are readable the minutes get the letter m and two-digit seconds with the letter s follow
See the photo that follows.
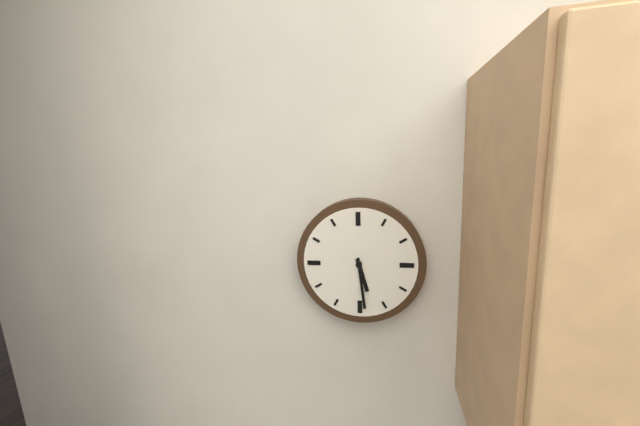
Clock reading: 5h29
